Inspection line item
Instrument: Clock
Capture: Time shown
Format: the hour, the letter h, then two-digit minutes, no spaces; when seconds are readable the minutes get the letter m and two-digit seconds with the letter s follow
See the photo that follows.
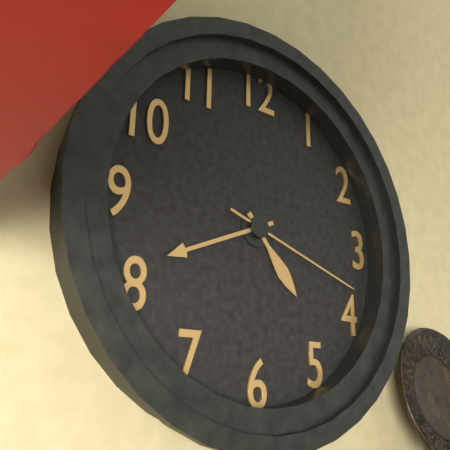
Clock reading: 4h41m18s
